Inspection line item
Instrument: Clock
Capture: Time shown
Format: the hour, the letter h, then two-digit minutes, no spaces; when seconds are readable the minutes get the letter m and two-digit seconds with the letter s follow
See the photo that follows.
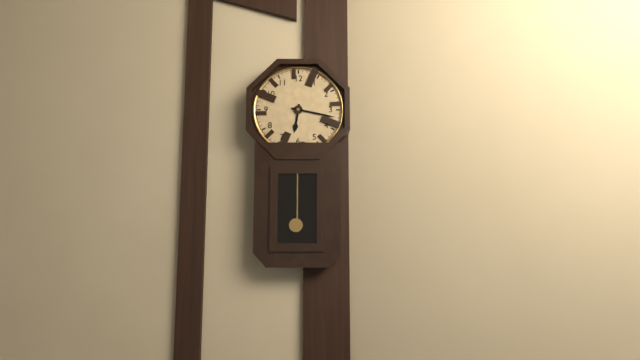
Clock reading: 6h17
